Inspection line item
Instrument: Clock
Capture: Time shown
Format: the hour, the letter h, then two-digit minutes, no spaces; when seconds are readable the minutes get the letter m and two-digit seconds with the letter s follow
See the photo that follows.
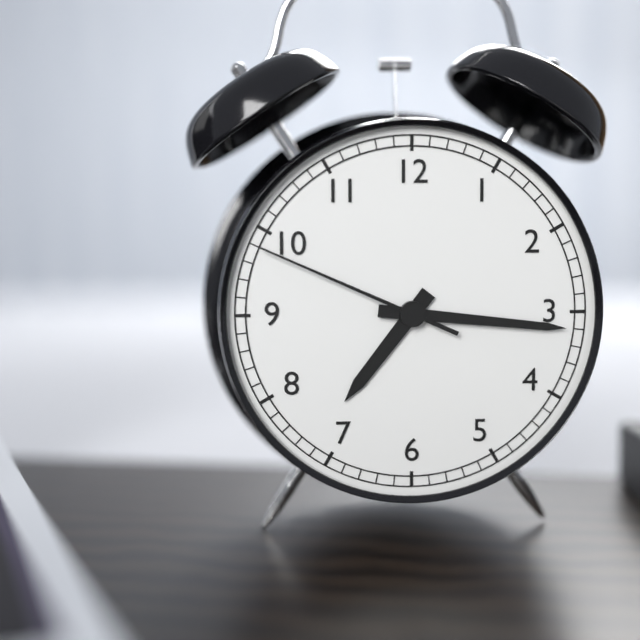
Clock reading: 7h16m49s
